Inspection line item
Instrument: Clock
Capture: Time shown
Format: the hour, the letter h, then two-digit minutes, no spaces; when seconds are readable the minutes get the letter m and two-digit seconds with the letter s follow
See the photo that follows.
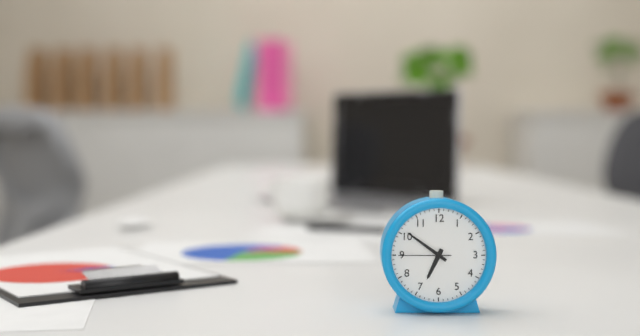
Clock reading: 6h51m45s
